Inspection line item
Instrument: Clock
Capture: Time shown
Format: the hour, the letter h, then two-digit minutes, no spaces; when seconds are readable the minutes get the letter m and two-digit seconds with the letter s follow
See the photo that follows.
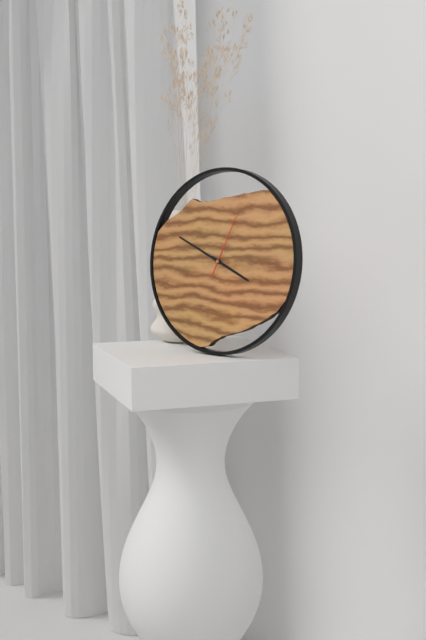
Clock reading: 3h49m04s
